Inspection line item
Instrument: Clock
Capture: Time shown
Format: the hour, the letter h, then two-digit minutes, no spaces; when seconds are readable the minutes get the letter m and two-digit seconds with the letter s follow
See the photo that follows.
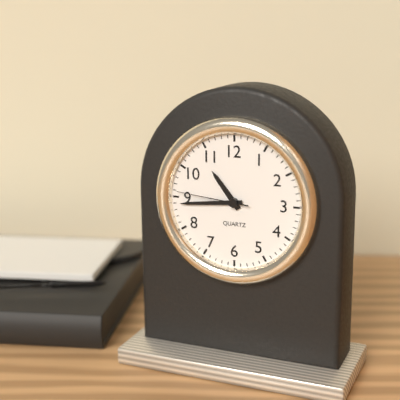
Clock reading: 10h44m46s
